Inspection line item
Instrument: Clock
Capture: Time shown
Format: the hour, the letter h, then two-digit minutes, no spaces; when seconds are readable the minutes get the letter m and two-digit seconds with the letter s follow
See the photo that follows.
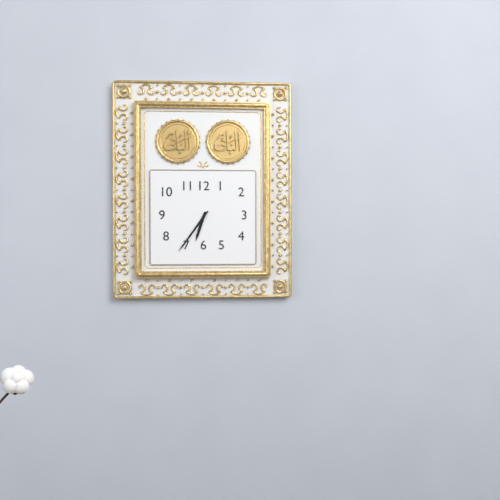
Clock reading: 6h36
